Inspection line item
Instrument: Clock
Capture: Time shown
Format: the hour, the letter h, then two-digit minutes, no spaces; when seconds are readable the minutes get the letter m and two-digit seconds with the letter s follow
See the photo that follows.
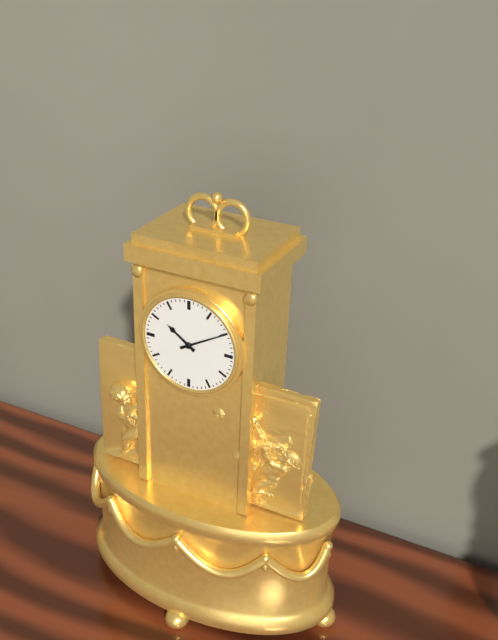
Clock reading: 10h10
